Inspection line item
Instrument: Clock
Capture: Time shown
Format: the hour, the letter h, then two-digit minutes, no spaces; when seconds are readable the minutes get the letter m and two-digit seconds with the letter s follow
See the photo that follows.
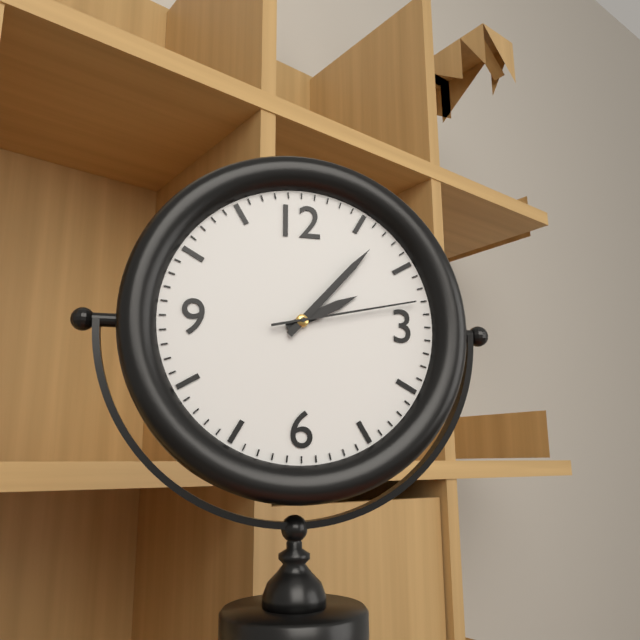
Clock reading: 2h07m13s
